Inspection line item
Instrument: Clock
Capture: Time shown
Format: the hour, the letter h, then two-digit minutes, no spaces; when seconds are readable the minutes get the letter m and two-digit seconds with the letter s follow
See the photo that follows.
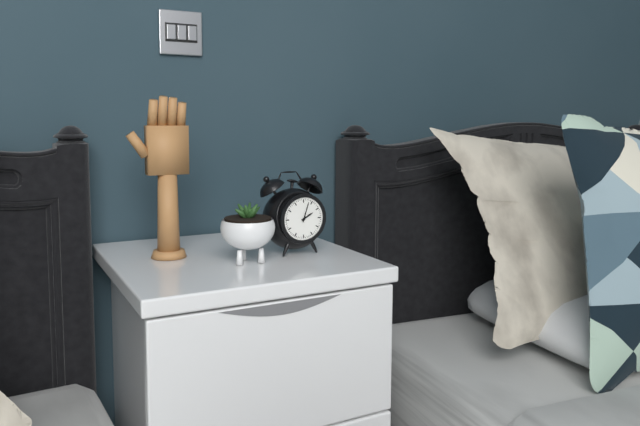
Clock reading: 2h03
